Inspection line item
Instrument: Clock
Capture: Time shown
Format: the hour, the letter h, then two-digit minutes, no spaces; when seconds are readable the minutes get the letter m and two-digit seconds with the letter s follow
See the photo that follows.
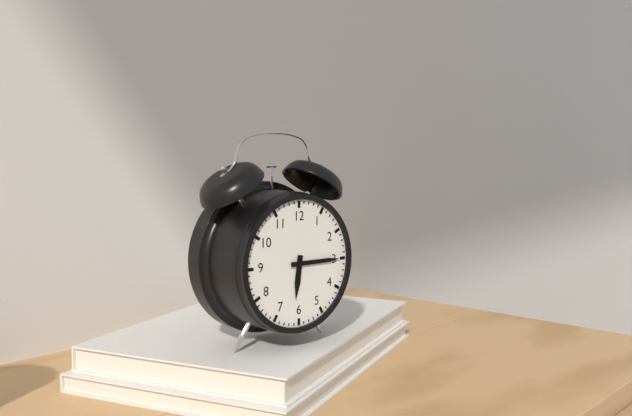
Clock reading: 6h15
